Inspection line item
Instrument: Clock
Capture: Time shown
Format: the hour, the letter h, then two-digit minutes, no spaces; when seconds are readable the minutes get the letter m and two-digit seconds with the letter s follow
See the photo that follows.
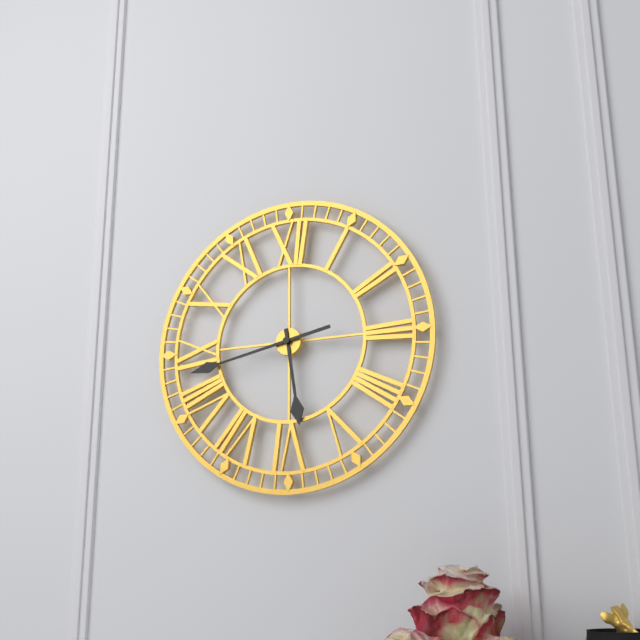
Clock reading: 5h43
